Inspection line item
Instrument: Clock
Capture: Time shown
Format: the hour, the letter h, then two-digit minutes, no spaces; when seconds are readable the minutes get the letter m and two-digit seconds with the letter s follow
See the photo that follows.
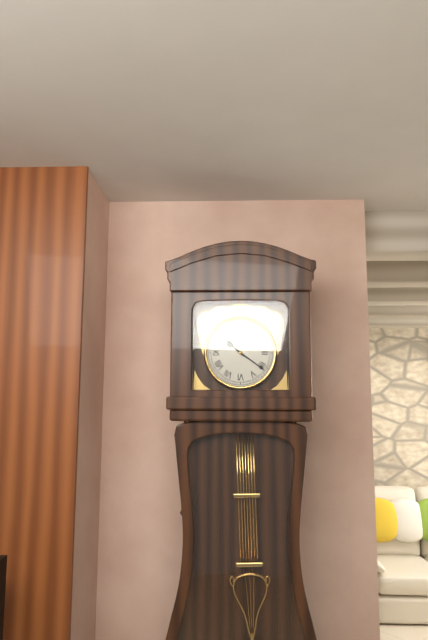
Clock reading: 10h21
